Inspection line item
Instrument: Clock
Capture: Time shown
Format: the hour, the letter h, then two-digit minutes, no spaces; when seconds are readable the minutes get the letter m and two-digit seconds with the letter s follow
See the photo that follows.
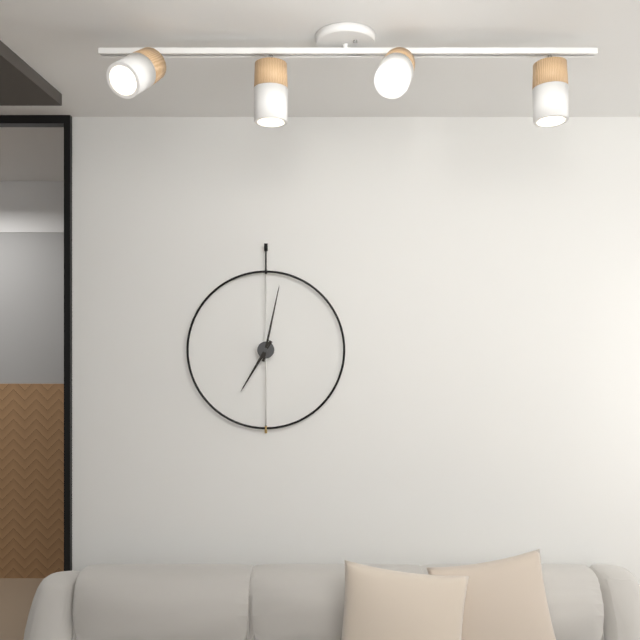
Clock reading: 7h02
